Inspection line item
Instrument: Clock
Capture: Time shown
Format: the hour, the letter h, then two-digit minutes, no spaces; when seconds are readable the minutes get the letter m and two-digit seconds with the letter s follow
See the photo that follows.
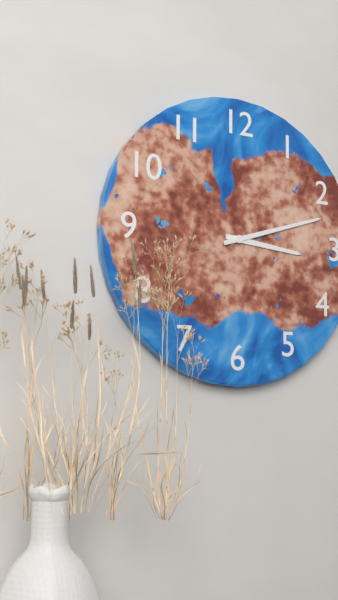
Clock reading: 3h12
